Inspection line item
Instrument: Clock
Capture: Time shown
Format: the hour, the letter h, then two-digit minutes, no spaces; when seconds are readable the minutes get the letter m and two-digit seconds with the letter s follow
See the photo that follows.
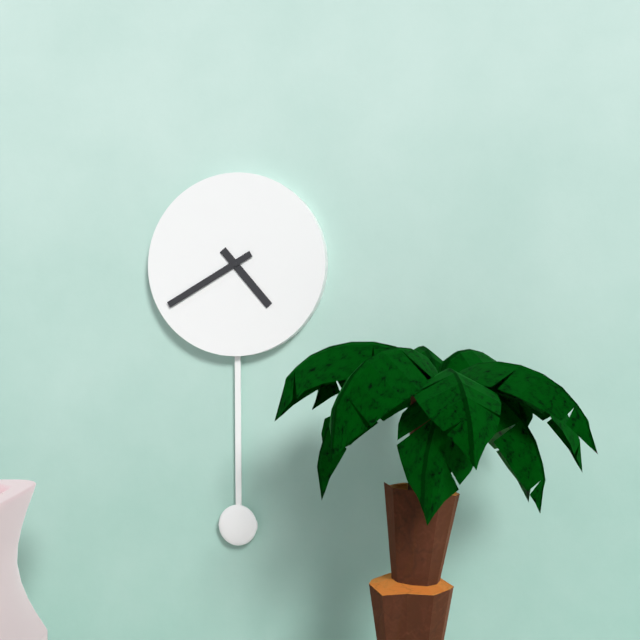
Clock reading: 4h40
